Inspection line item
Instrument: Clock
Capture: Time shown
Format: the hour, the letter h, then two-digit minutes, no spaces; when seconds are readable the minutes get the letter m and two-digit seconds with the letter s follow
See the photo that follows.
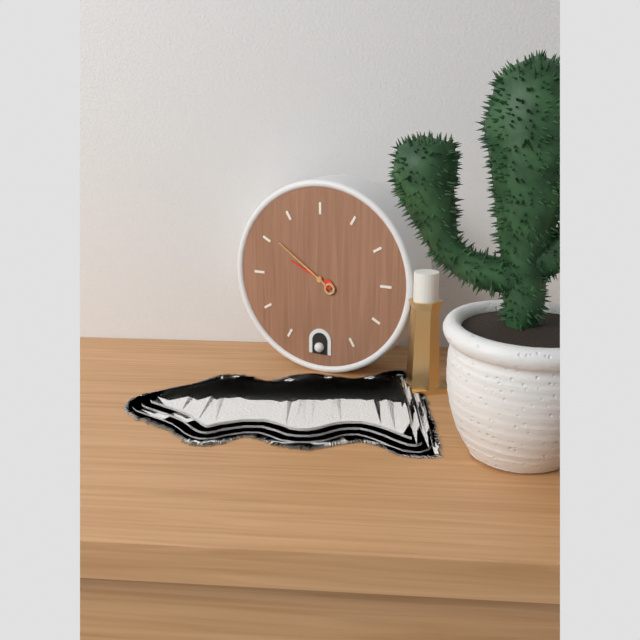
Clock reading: 9h51
